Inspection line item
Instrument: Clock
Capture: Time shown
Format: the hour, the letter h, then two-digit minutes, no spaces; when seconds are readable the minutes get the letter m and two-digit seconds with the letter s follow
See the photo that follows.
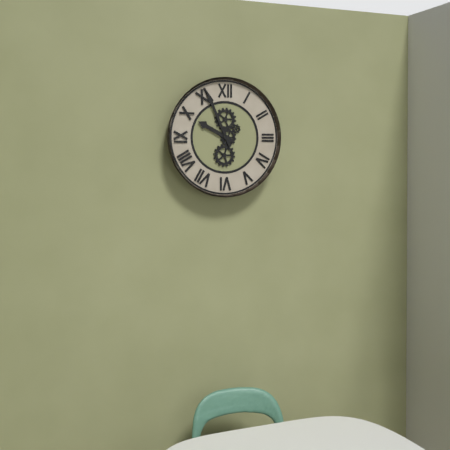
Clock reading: 9h56
